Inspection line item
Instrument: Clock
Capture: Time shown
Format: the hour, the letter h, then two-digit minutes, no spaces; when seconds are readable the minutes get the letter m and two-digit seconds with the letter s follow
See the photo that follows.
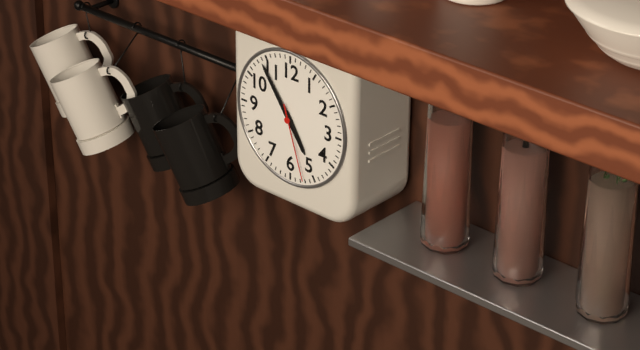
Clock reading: 4h54m27s
